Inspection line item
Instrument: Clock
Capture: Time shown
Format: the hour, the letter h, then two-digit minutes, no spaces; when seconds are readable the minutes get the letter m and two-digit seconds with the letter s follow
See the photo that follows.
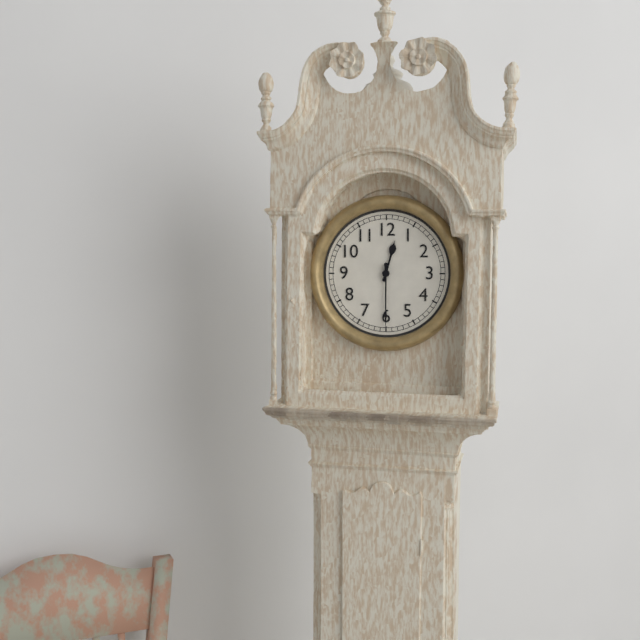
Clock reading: 12h30
